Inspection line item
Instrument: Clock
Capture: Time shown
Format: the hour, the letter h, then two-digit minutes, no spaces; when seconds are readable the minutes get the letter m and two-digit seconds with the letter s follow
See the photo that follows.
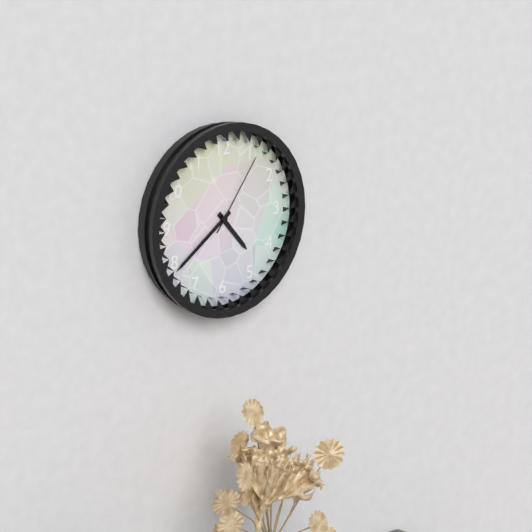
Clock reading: 4h39m06s
